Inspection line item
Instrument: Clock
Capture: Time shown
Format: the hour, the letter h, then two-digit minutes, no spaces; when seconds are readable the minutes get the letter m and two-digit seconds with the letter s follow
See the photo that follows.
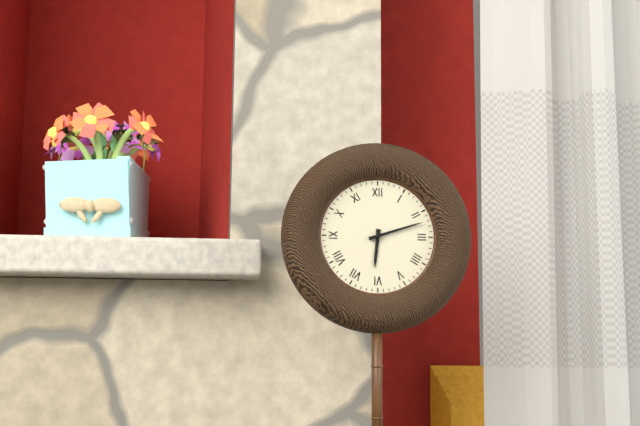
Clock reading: 6h12
